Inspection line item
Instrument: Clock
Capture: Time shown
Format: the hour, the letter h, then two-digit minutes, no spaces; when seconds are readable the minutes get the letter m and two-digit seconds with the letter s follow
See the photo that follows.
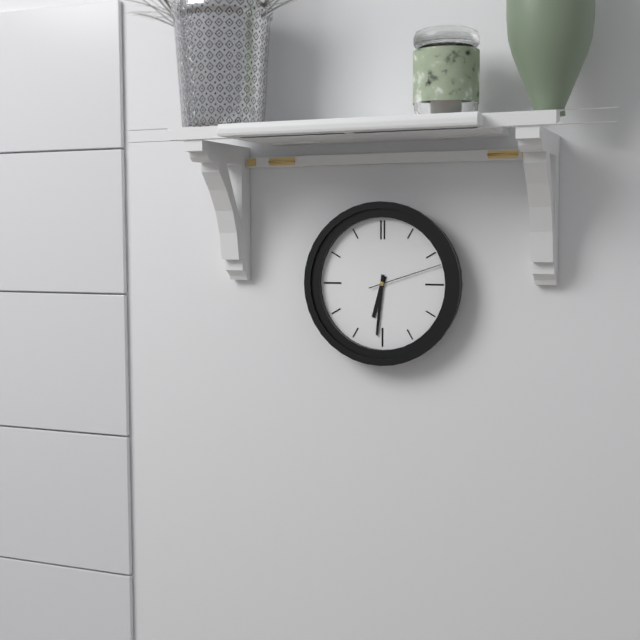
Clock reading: 6h31m12s
